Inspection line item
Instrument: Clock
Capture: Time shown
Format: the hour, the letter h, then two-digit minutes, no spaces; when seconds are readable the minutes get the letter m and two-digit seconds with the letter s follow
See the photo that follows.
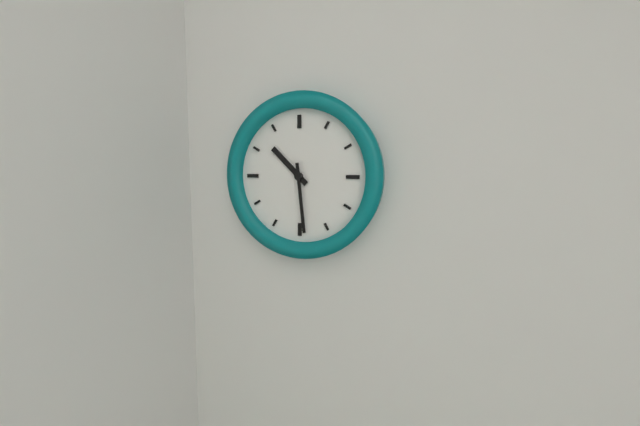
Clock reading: 10h29
